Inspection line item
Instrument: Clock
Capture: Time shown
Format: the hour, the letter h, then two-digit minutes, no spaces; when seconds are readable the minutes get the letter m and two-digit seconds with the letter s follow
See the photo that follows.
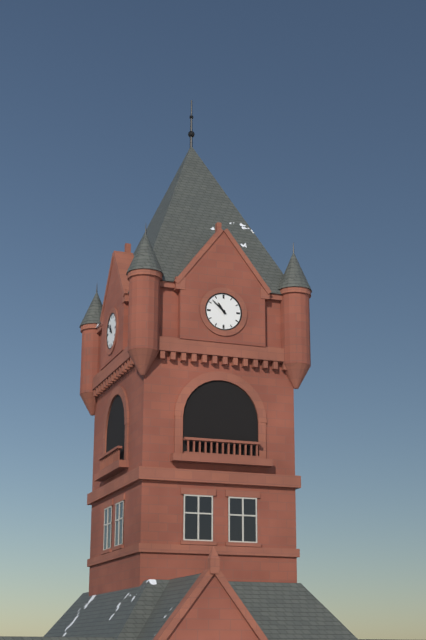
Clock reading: 10h52
